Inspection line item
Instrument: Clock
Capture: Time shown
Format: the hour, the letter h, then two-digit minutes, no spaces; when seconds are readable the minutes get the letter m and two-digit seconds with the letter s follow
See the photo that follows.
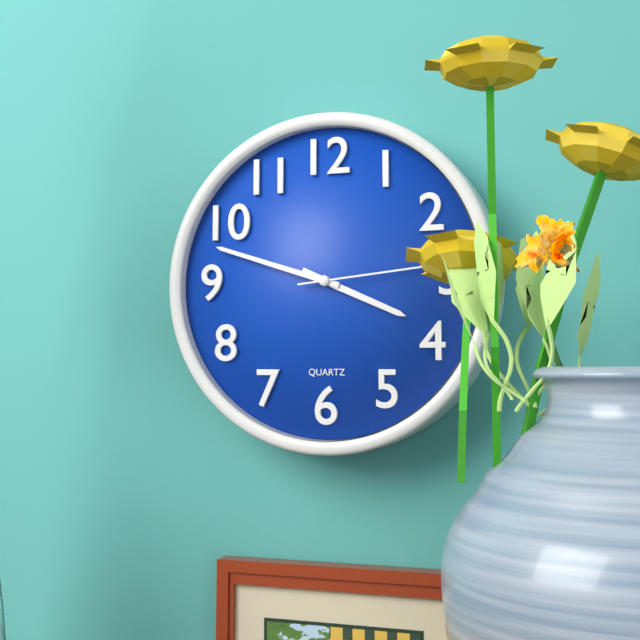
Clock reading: 3h48m14s
